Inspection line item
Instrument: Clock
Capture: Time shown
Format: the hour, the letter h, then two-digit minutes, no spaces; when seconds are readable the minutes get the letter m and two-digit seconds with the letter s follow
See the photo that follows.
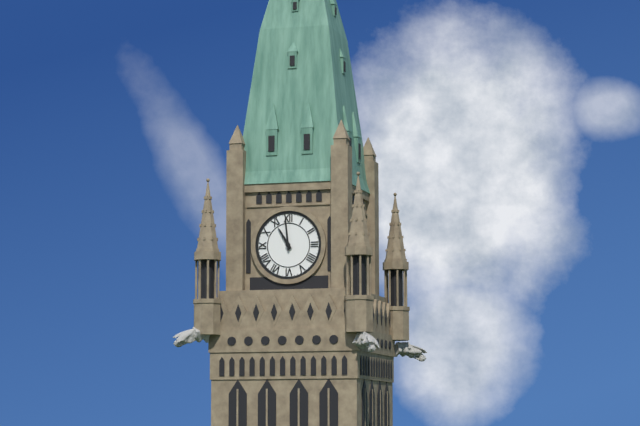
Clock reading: 10h59
